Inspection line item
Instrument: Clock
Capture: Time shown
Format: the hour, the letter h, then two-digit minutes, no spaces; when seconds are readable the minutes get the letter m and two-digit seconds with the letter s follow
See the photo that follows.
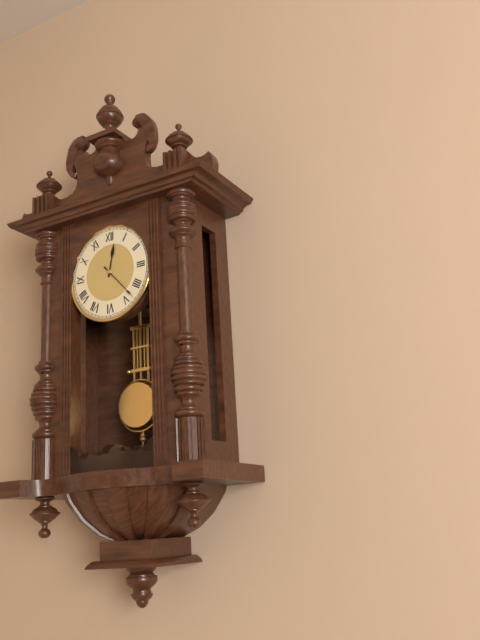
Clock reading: 12h23
